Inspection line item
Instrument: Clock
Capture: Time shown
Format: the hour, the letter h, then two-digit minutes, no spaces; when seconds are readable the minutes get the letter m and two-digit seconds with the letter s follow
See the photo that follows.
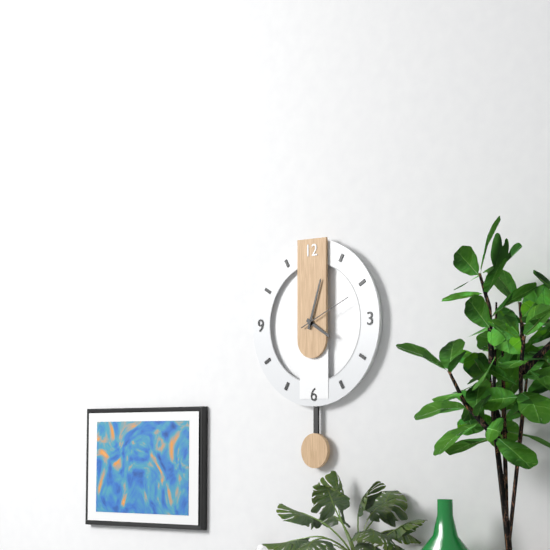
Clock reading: 4h03m11s
